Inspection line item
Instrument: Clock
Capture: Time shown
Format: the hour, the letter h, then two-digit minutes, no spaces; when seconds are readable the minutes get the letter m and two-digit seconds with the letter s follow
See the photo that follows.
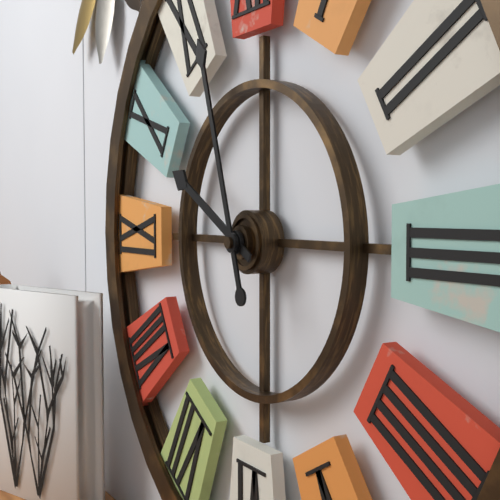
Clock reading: 9h57
